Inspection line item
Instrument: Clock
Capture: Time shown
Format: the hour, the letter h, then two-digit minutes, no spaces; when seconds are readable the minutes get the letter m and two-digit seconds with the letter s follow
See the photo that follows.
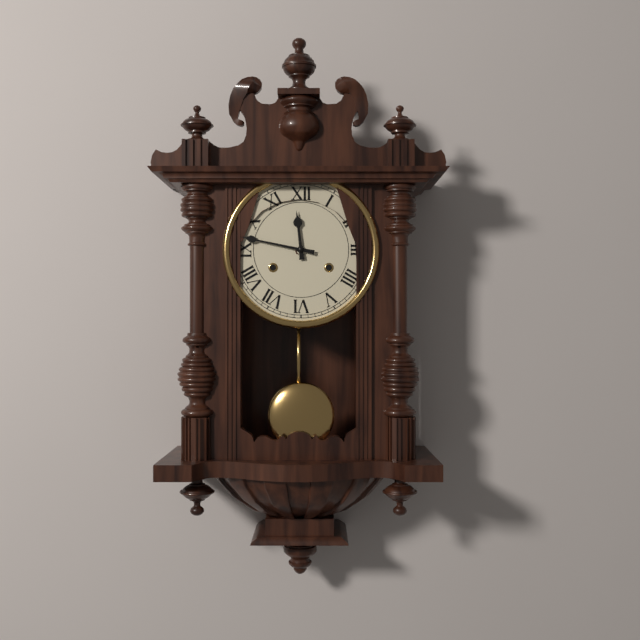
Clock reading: 11h47
